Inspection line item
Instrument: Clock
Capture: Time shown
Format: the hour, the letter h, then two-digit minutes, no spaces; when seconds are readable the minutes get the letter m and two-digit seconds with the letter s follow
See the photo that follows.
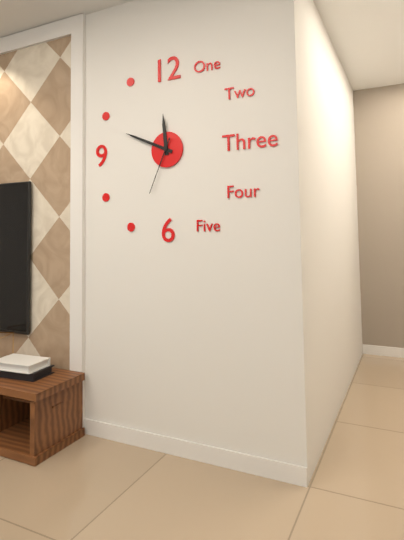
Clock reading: 11h49m34s
